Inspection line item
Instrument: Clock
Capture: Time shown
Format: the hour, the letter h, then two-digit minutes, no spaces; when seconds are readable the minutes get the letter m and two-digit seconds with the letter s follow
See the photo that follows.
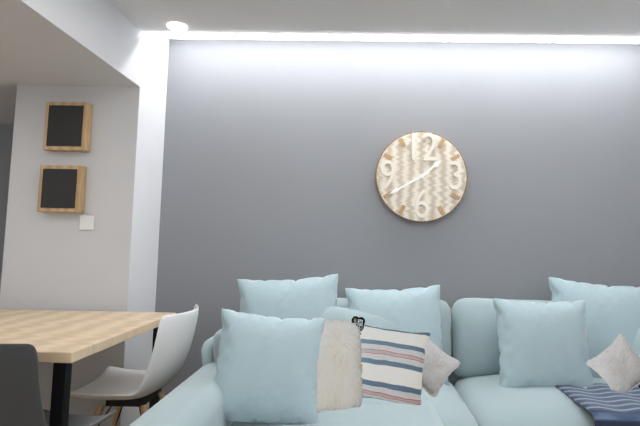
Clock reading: 1h40
